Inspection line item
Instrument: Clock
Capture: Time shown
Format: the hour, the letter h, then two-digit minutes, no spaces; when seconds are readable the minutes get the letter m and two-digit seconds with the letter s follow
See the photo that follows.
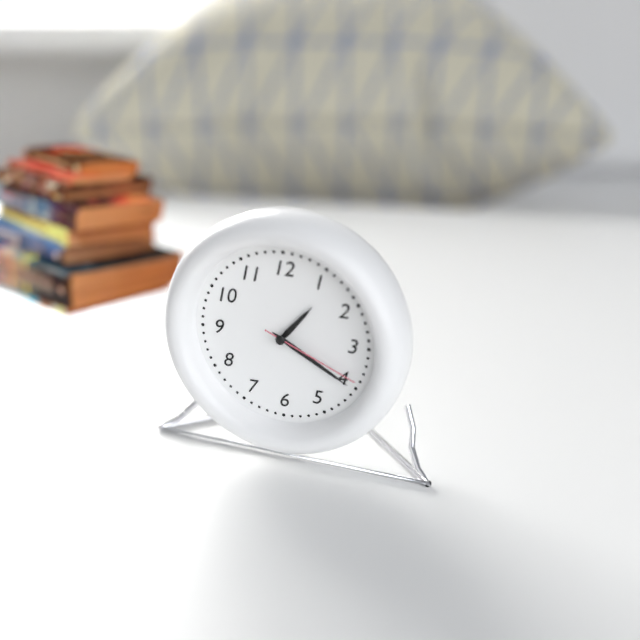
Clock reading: 1h20m19s
